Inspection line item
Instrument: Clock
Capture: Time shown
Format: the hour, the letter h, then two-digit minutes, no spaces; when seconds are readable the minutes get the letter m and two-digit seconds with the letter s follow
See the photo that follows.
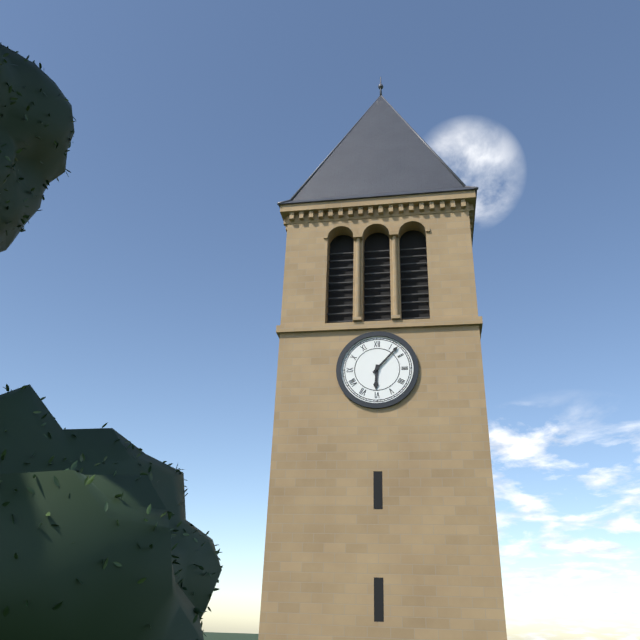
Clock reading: 6h07
